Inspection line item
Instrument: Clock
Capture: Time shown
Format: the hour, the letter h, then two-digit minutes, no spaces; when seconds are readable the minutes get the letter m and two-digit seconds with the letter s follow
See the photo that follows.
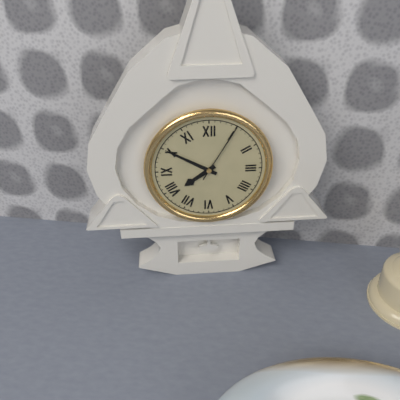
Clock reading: 7h50m05s
